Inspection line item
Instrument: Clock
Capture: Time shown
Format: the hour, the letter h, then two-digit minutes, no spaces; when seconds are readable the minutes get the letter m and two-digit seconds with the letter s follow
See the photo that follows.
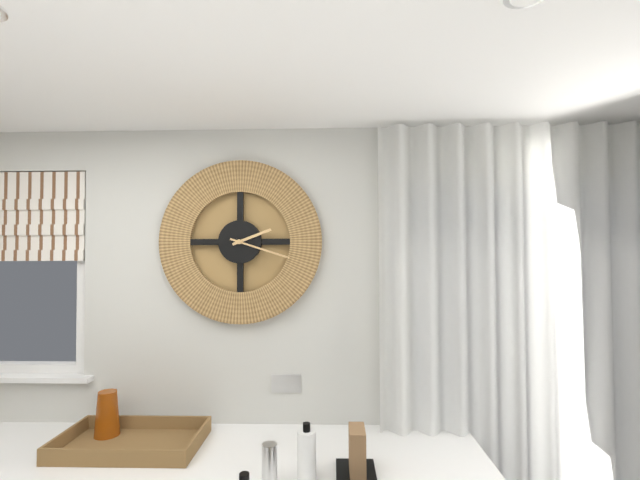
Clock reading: 2h18
